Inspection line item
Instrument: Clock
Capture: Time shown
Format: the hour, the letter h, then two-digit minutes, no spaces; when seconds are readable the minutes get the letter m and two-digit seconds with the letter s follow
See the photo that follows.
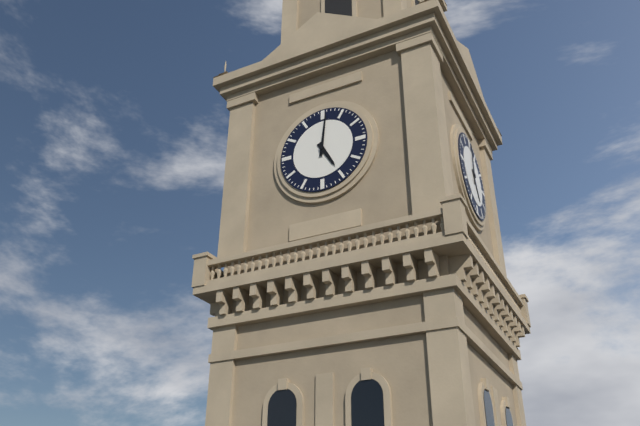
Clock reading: 5h01
